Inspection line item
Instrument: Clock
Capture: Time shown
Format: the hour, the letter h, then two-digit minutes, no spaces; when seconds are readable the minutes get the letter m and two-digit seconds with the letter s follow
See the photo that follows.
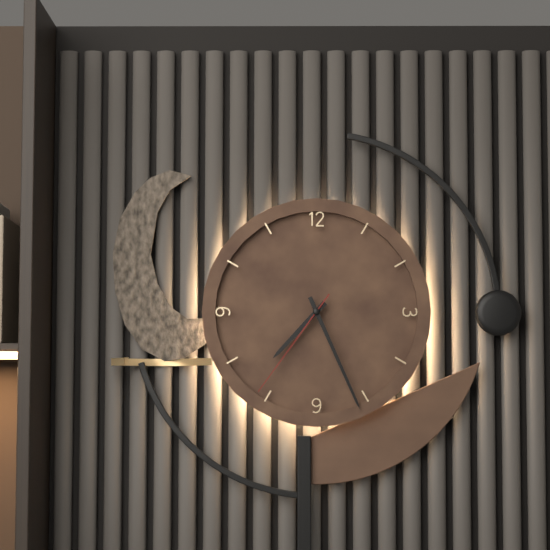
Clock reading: 7h26m36s
